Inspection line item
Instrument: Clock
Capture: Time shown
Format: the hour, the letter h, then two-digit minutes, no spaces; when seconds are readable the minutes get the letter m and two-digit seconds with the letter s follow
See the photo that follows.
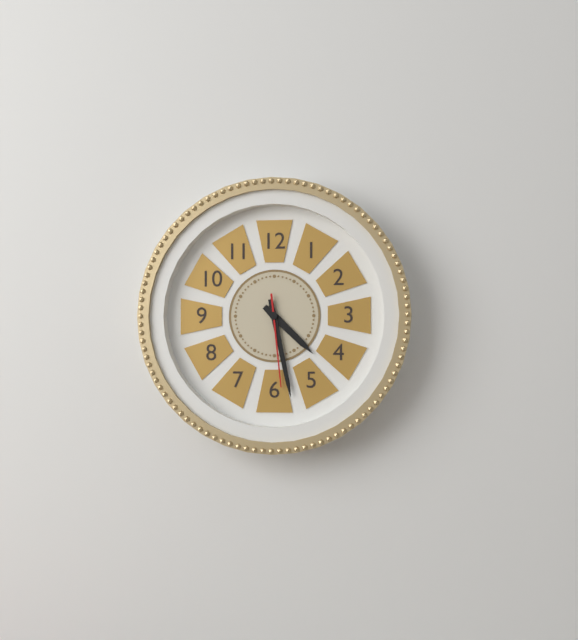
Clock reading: 4h28m29s
